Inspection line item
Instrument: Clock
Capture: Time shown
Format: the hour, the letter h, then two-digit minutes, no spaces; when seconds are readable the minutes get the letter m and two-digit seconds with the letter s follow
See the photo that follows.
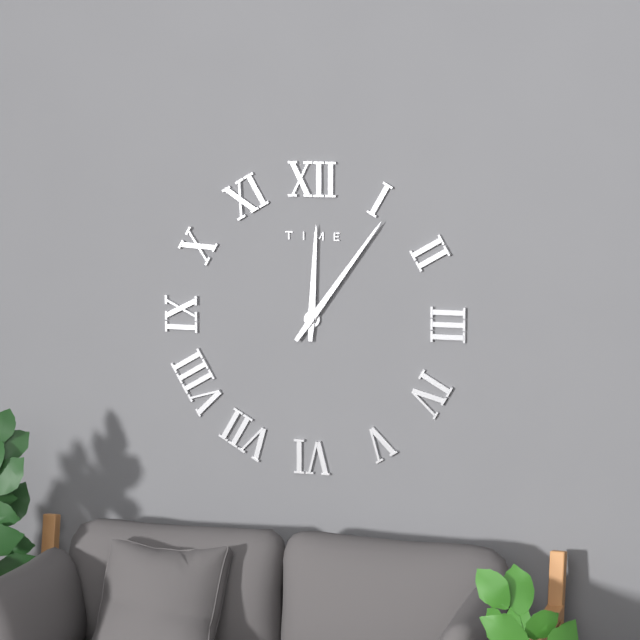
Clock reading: 12h06
